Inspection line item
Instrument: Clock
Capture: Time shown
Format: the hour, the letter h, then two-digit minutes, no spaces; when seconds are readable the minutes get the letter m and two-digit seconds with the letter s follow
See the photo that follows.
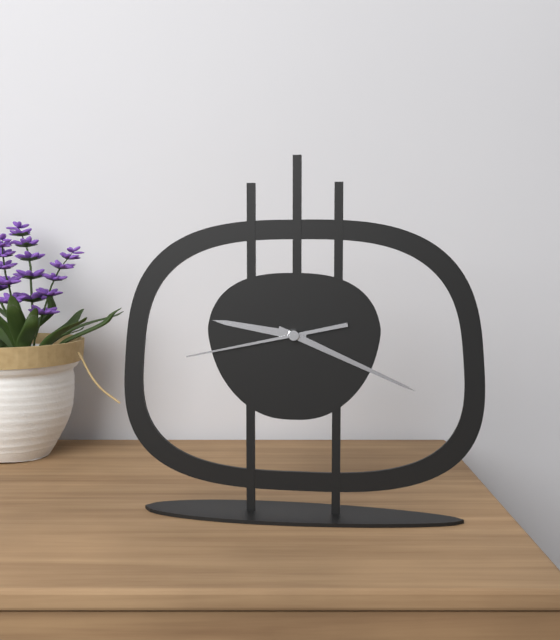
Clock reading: 9h19m43s
